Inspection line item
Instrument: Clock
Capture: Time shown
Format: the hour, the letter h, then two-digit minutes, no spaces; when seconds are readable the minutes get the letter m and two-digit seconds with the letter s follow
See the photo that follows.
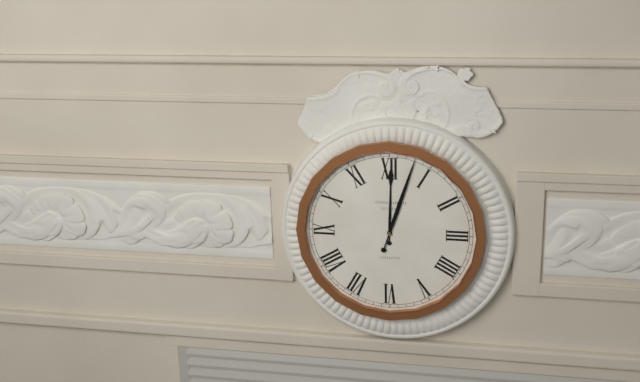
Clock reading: 12h03
